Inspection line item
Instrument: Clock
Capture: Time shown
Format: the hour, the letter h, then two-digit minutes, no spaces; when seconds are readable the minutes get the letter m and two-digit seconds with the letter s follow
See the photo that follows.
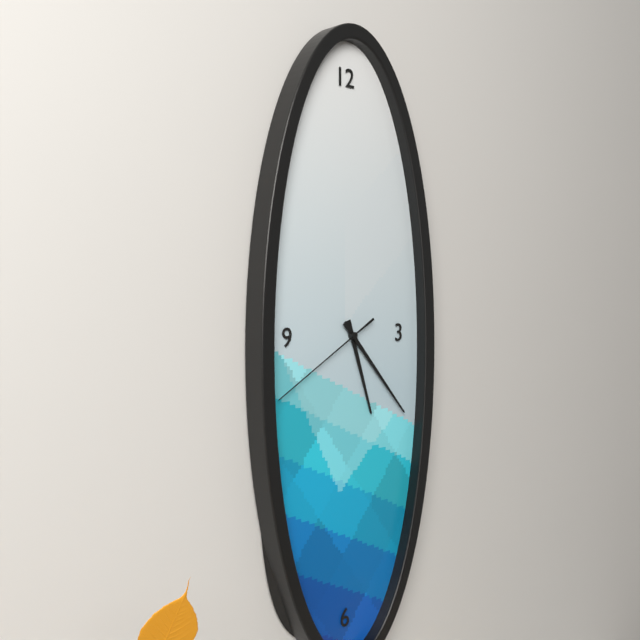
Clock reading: 5h23m40s
